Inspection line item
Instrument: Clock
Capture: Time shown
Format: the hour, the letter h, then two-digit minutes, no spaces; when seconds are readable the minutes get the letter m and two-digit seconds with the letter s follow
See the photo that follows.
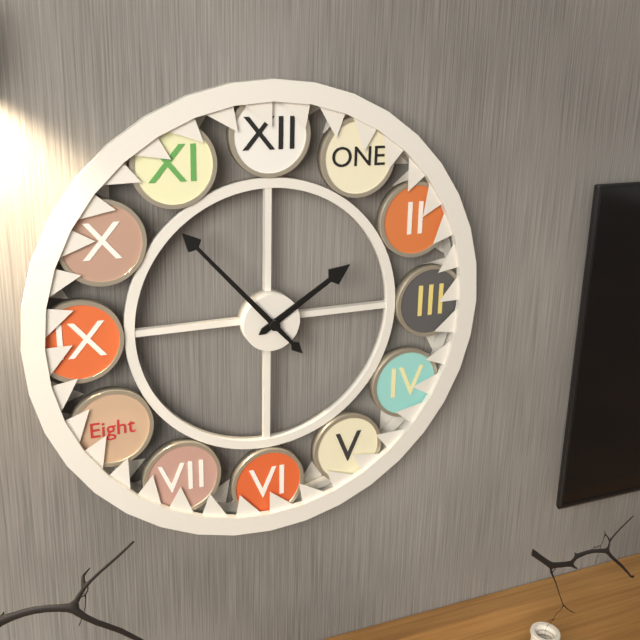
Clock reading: 1h53
